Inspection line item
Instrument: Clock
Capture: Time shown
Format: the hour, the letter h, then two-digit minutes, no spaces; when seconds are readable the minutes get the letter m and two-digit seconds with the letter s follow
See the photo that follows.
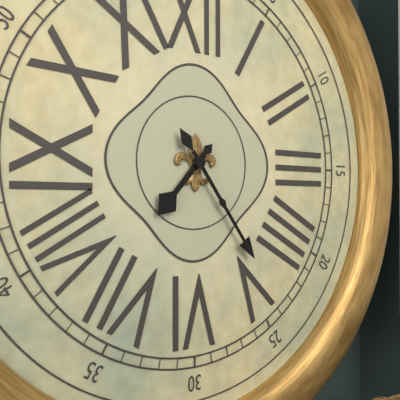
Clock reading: 7h24
